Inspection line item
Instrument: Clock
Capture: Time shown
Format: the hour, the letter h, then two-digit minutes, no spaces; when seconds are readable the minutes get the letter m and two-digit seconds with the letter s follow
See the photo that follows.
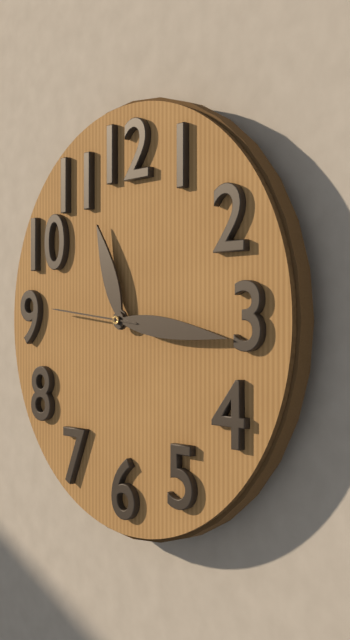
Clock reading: 11h16m46s
